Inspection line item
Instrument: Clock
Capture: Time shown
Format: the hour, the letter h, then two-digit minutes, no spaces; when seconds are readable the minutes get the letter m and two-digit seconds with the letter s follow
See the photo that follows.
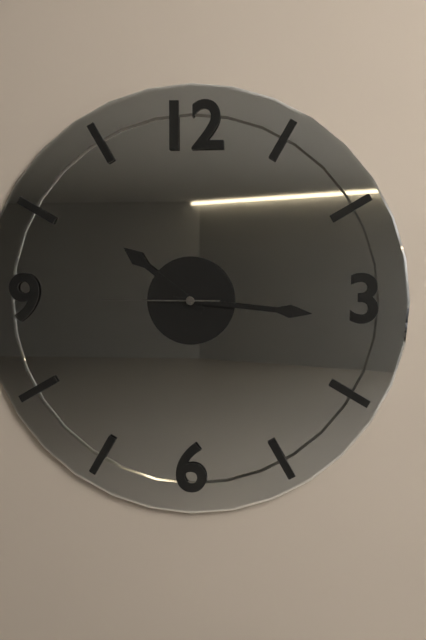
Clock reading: 10h16m45s
